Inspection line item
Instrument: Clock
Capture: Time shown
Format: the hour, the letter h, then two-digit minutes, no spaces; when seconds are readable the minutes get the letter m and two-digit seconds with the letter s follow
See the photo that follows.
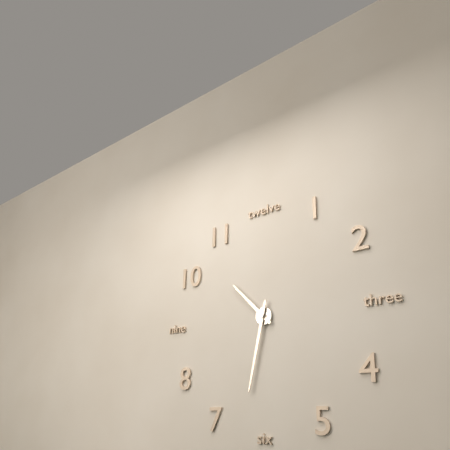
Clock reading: 10h32
